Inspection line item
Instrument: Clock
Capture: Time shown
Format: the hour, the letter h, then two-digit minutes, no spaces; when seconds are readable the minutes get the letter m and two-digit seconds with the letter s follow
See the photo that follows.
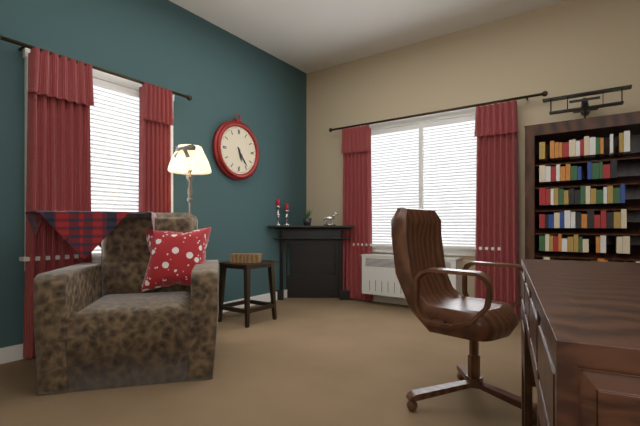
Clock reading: 5h24
